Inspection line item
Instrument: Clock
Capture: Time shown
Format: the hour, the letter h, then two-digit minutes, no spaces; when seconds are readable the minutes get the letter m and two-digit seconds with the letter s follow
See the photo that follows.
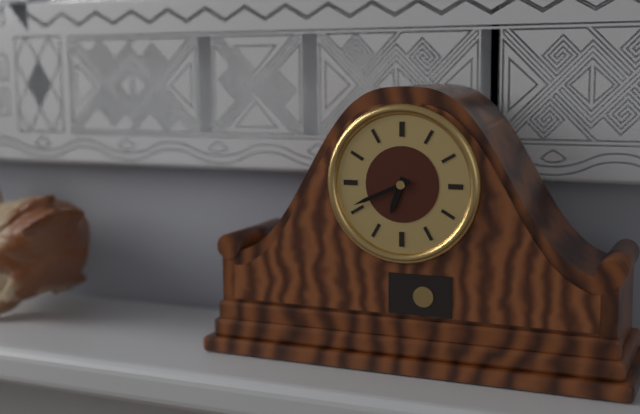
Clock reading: 6h41
